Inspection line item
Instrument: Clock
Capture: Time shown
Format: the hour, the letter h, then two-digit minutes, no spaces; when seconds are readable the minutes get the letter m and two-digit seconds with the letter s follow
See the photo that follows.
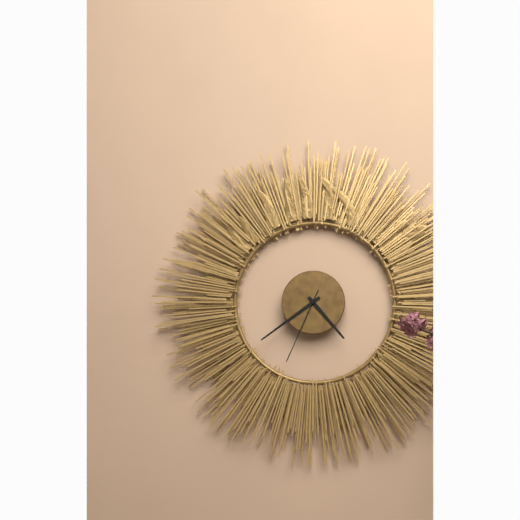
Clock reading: 4h39m34s
